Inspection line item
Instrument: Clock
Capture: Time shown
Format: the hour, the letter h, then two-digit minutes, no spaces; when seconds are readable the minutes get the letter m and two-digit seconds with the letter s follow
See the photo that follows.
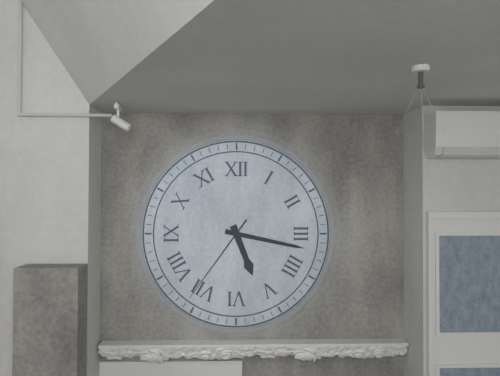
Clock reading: 5h17m36s
